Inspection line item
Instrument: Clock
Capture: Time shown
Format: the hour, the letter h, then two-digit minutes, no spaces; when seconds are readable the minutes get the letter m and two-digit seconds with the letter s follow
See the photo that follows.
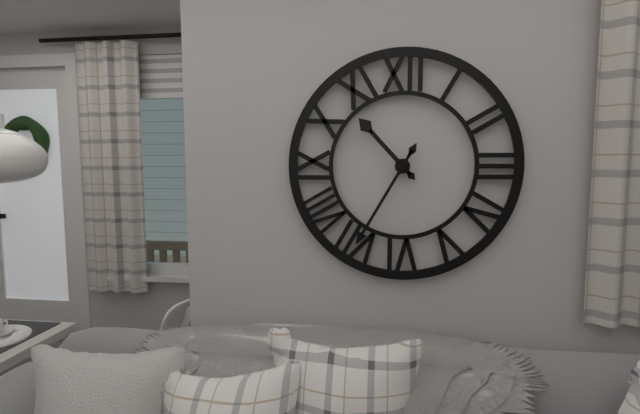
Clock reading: 10h35
